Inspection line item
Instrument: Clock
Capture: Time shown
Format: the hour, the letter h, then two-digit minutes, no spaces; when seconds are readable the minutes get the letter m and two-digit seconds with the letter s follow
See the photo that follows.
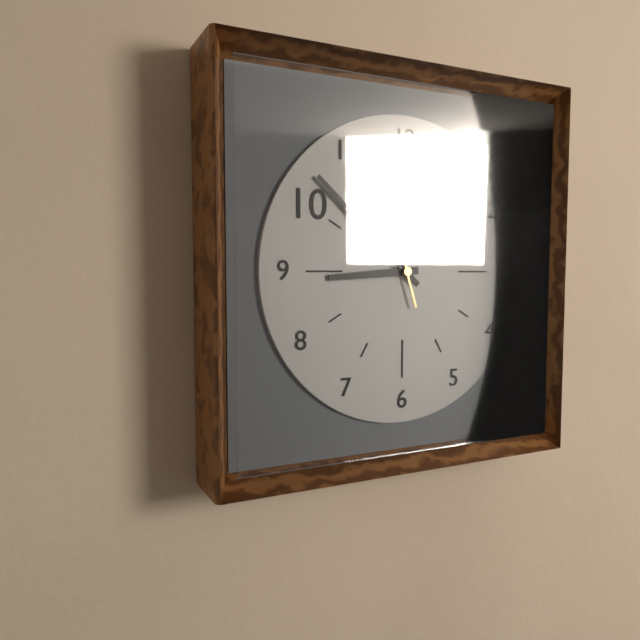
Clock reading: 8h52m57s
